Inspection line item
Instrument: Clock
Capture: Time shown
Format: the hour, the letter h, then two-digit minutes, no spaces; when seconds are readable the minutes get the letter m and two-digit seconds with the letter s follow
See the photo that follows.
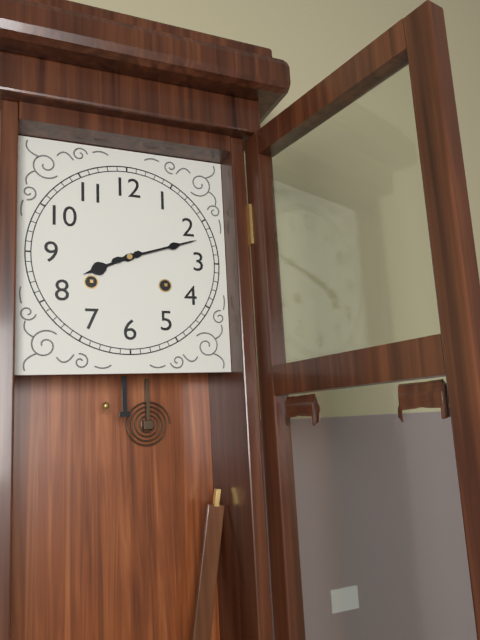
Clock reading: 8h12
